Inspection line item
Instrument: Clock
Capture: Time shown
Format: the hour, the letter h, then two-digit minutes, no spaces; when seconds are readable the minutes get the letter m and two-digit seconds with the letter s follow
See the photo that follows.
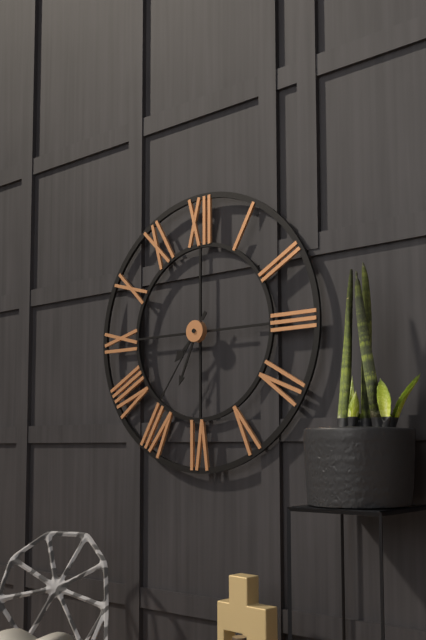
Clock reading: 7h34m36s
